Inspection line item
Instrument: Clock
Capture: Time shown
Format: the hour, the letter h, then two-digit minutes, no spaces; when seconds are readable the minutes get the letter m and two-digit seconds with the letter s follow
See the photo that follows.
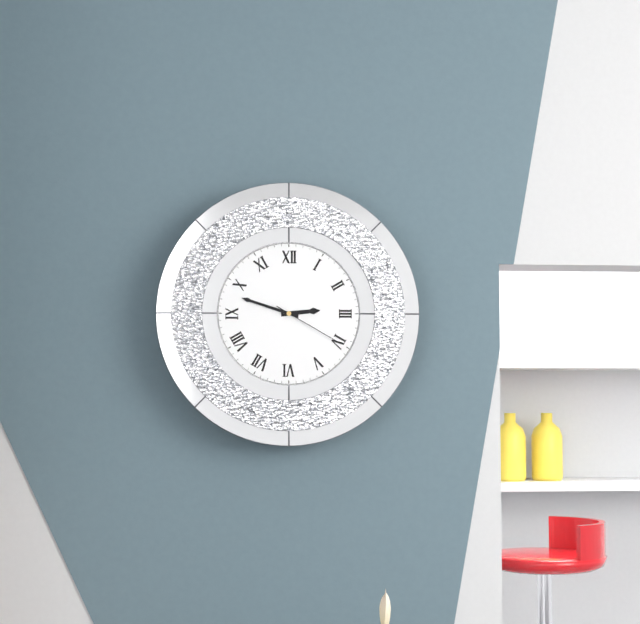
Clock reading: 2h48m20s
